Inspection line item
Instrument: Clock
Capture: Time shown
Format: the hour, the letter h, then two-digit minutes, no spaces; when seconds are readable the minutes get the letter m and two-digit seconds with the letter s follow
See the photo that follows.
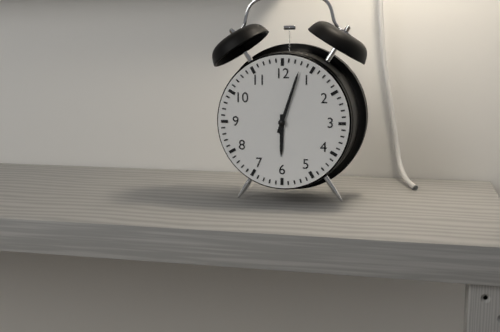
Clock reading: 6h03
